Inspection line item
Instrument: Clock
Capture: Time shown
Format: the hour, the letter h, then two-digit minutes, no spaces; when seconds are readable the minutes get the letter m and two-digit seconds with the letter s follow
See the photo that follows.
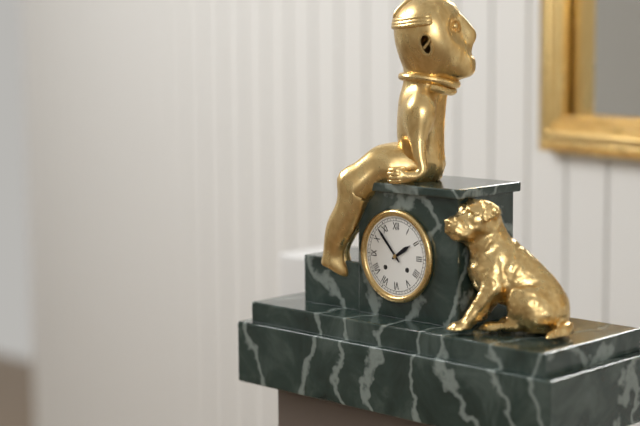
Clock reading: 1h53
